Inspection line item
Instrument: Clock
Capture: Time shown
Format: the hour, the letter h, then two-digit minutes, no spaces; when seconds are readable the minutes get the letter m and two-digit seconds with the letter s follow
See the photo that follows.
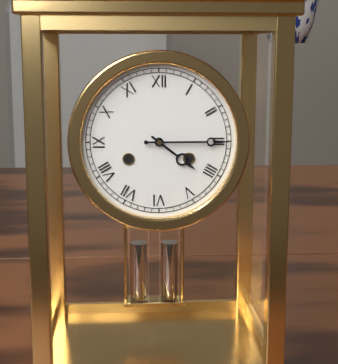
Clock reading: 4h15
